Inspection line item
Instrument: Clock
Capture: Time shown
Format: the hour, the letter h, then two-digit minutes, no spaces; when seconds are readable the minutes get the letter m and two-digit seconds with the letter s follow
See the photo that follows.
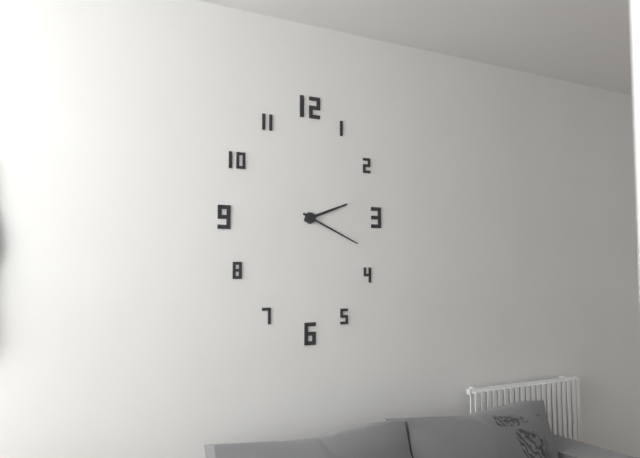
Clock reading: 2h19
